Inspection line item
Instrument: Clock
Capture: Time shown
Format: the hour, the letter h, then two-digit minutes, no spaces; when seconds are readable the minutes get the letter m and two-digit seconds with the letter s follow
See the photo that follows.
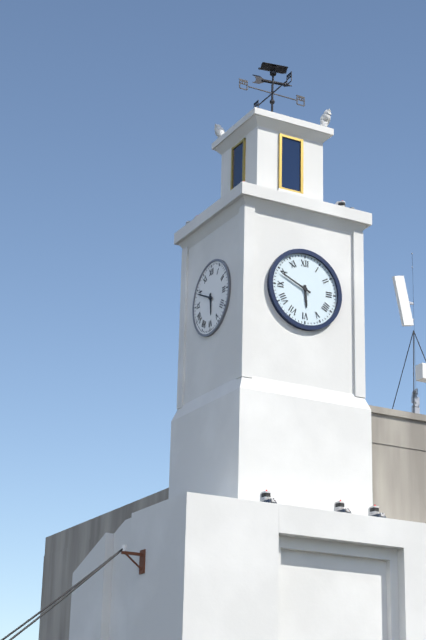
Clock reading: 5h49
